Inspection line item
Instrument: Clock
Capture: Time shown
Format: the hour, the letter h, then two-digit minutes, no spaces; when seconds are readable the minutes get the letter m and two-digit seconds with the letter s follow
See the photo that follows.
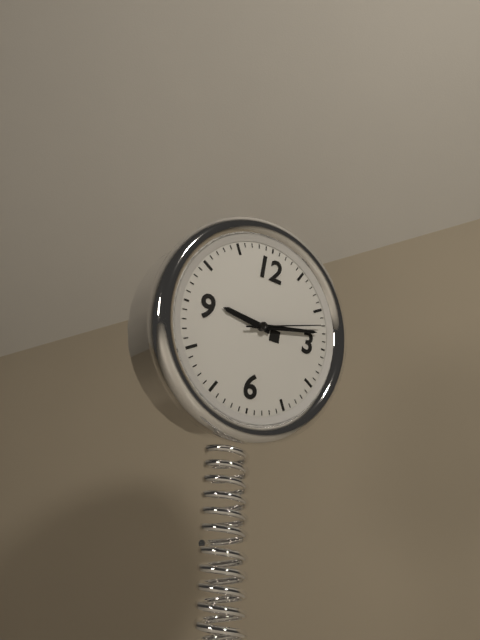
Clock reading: 9h13m12s
